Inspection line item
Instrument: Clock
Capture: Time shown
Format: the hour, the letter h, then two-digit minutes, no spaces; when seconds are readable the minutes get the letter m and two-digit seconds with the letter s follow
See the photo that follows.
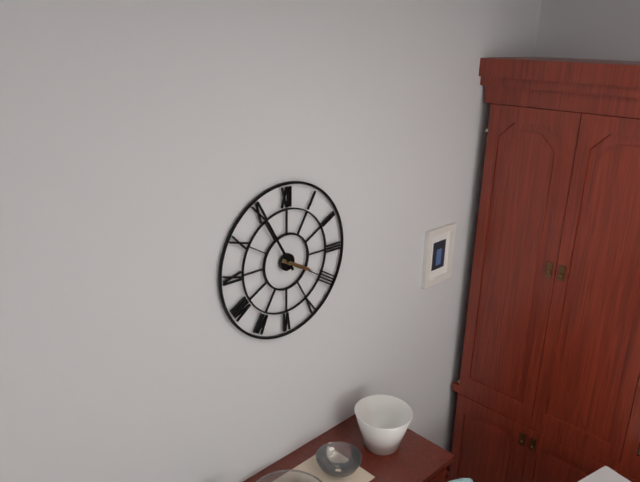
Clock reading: 3h55
